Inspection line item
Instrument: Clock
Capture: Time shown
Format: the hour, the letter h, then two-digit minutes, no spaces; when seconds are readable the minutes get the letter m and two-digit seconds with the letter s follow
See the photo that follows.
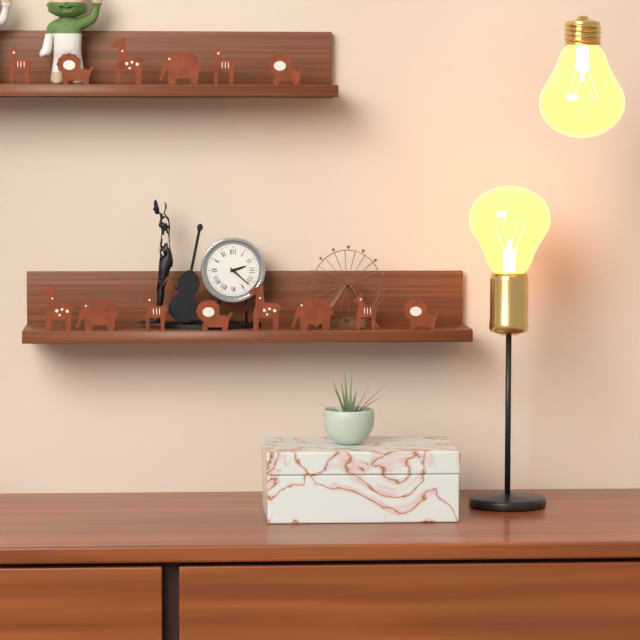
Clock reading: 2h22
